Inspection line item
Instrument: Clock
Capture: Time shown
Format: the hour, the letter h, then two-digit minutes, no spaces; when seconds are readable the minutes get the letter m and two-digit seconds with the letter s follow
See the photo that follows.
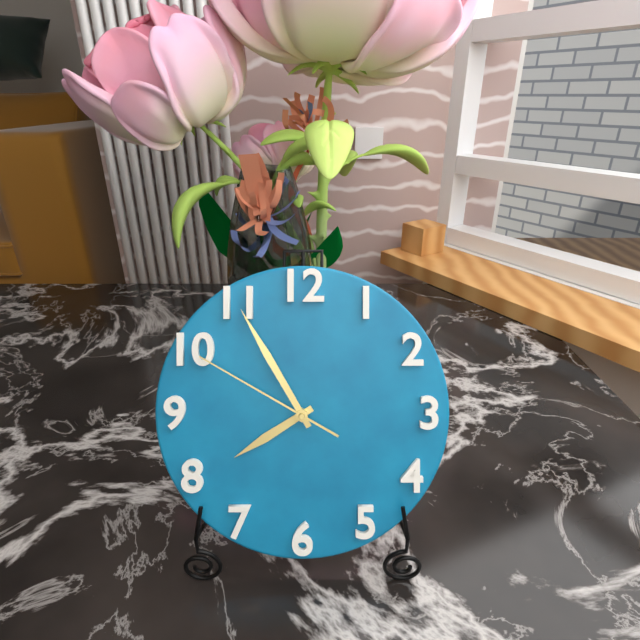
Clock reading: 7h55m50s
